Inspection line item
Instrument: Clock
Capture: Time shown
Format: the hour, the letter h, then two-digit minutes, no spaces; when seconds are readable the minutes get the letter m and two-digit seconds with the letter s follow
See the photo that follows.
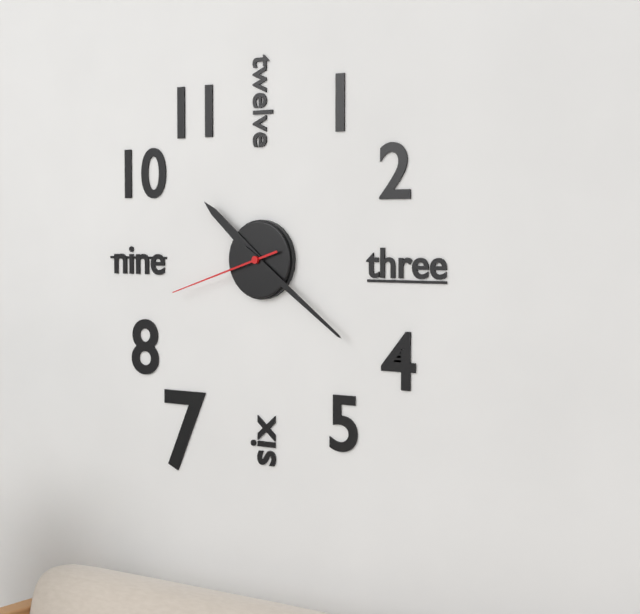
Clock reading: 10h21m42s
